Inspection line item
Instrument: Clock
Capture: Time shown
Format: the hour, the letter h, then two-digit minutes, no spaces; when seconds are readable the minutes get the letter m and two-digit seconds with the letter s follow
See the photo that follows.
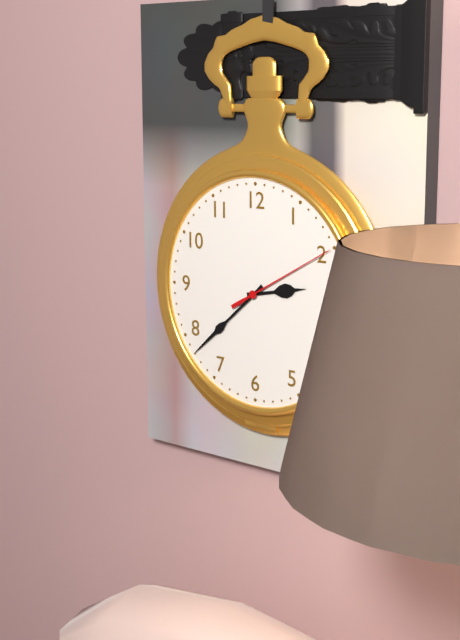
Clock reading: 2h38m10s
